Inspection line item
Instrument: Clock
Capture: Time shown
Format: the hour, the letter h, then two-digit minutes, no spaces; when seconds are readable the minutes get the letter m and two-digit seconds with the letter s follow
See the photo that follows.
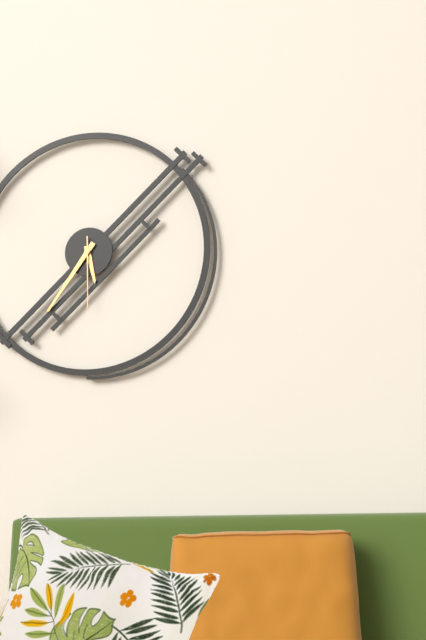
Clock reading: 5h36m30s
